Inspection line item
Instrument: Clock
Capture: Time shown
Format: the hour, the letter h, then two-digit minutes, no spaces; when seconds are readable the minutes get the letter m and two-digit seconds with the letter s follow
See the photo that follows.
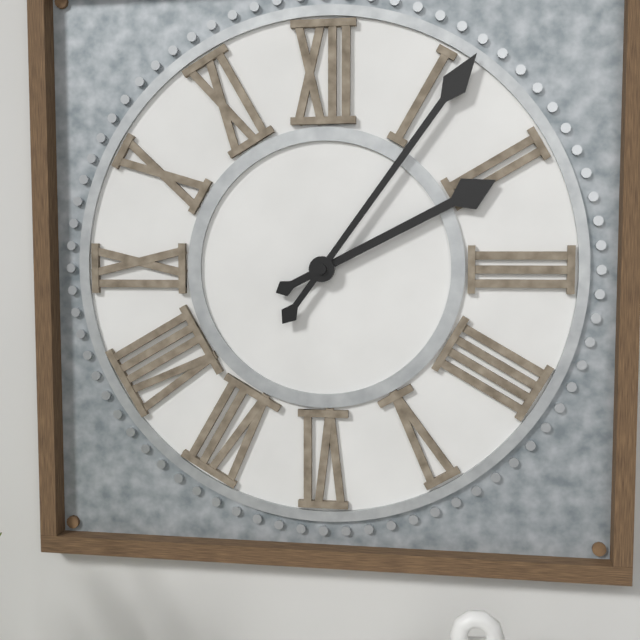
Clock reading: 2h06
